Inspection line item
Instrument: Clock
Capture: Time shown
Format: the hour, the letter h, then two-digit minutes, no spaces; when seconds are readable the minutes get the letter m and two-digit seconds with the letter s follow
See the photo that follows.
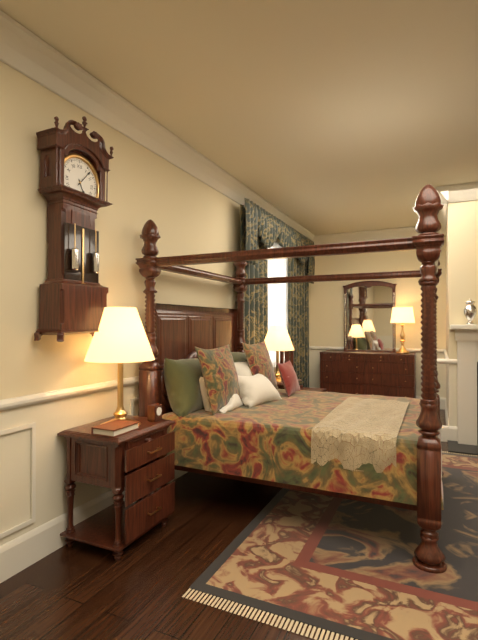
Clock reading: 5h07
